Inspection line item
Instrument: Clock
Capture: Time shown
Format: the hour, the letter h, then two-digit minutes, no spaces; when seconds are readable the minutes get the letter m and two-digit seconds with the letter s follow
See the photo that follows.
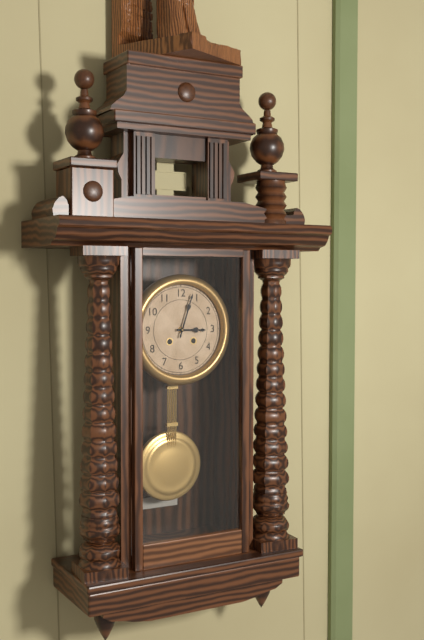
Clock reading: 3h03
